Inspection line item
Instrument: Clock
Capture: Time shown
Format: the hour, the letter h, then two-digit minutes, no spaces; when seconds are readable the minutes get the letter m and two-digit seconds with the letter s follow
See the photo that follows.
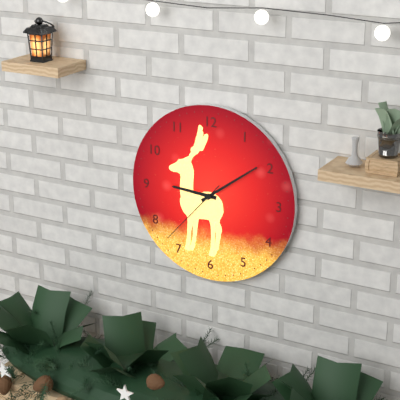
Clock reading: 9h09m37s
